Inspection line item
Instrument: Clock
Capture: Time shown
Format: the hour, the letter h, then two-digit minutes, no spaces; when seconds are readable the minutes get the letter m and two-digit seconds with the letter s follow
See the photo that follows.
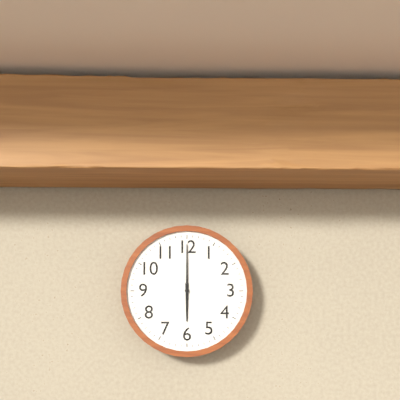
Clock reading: 6h00
